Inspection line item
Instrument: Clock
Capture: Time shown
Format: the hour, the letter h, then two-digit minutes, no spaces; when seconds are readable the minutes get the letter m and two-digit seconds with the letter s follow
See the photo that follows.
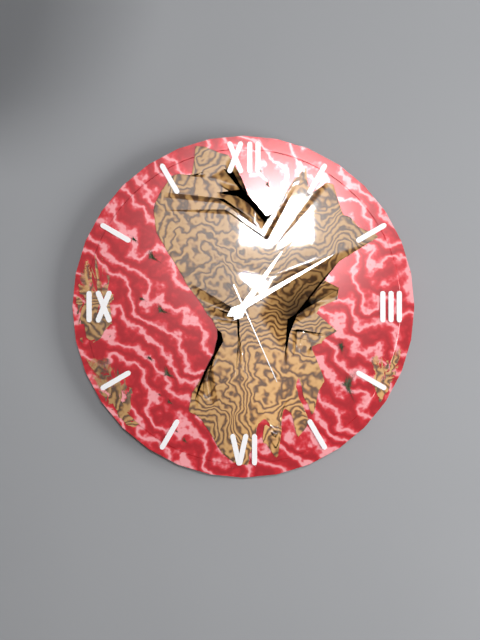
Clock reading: 1h10m26s
